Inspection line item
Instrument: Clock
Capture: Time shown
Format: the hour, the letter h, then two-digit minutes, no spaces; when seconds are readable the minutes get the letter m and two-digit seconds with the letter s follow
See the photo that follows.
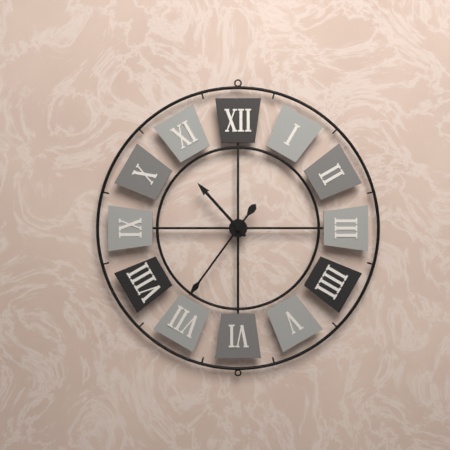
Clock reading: 10h36
